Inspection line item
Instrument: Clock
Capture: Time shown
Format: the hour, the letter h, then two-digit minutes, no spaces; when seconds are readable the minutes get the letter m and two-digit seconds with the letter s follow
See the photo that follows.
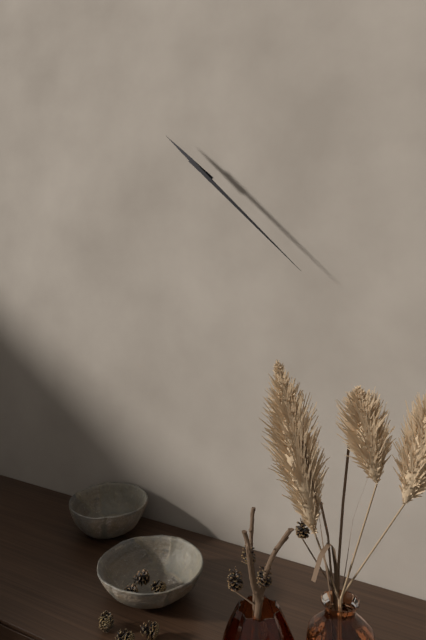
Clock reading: 10h22
